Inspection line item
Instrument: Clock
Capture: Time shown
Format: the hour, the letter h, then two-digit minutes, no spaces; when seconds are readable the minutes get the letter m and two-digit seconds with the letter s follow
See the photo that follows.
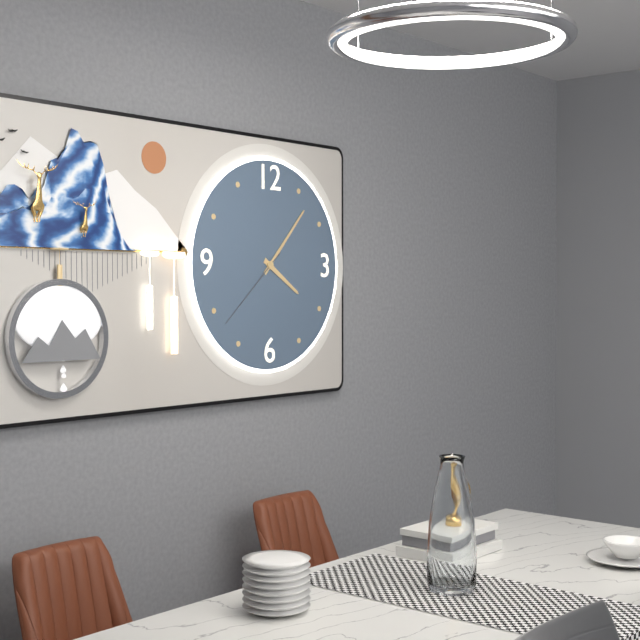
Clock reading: 4h07m38s
